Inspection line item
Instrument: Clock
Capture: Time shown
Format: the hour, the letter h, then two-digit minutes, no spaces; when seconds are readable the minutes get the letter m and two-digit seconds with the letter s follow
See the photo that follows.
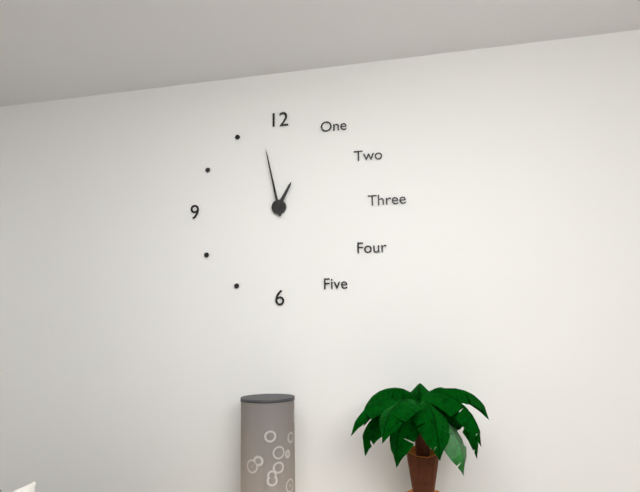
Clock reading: 12h58
